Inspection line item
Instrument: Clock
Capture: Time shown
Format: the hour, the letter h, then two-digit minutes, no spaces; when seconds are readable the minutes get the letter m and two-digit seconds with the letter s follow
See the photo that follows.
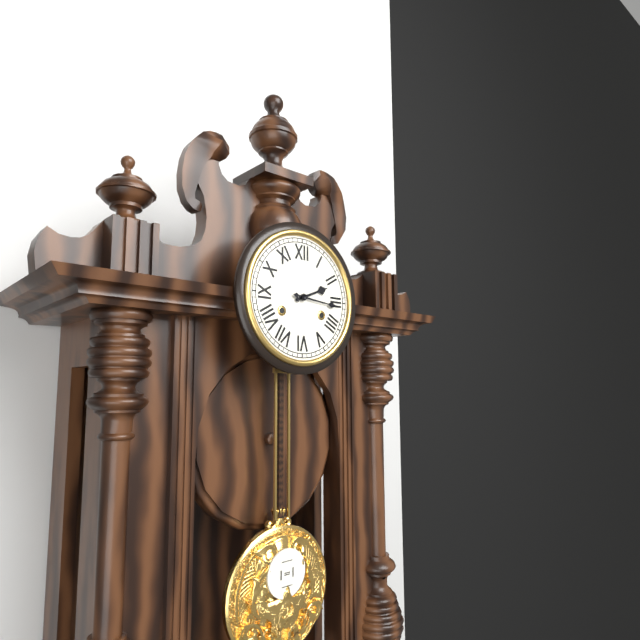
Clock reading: 2h16
